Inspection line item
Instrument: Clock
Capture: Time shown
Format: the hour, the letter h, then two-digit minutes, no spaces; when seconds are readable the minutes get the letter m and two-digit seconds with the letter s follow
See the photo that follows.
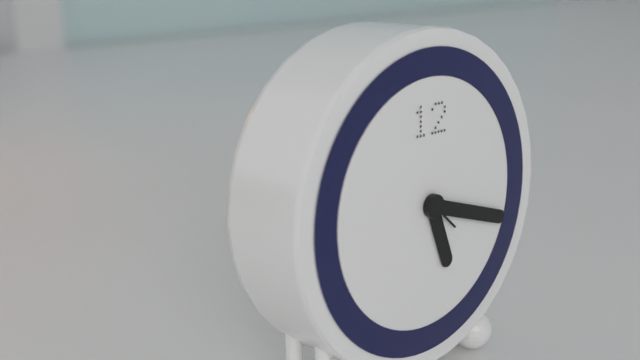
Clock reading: 5h18m22s
